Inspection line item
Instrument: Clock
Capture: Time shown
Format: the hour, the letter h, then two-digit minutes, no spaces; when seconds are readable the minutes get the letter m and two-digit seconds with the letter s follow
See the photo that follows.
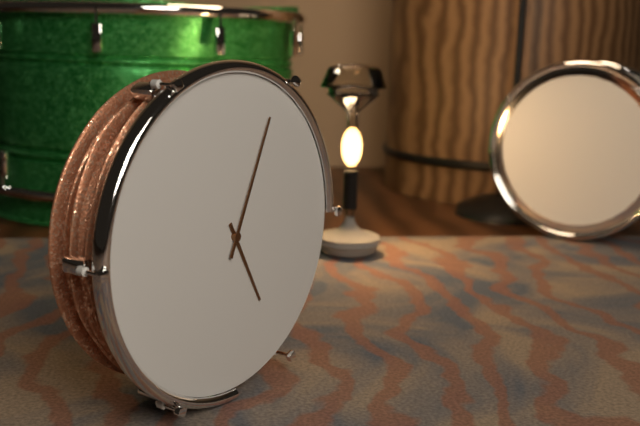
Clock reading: 5h04
